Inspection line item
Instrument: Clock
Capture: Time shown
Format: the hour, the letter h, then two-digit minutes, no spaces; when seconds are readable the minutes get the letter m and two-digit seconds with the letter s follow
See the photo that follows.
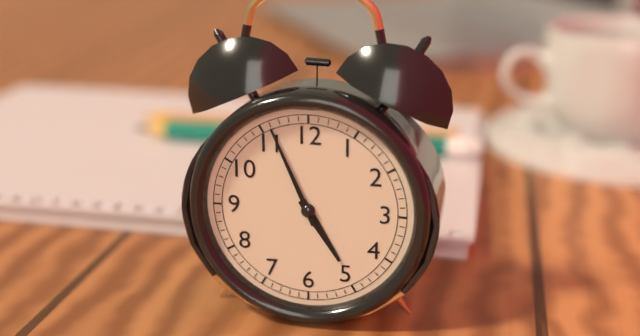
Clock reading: 4h56
